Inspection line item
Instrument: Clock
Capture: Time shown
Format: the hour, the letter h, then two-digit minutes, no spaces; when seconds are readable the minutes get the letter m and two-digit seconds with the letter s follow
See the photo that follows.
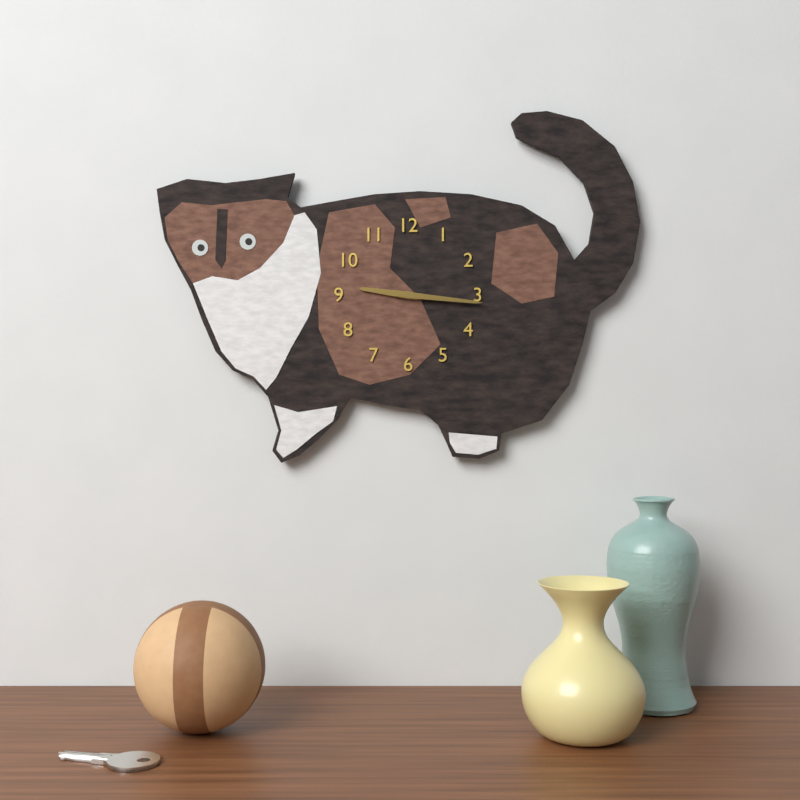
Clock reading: 9h16
